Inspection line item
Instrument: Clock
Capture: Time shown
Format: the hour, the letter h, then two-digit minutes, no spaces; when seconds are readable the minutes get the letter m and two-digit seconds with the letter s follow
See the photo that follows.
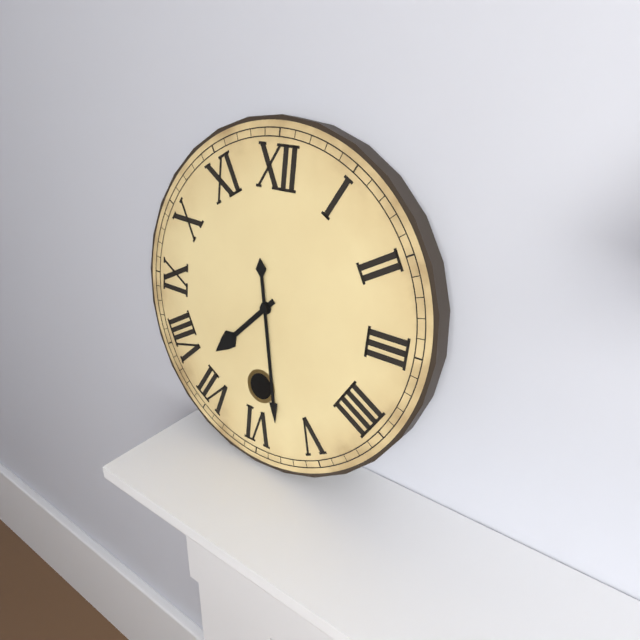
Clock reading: 7h28
